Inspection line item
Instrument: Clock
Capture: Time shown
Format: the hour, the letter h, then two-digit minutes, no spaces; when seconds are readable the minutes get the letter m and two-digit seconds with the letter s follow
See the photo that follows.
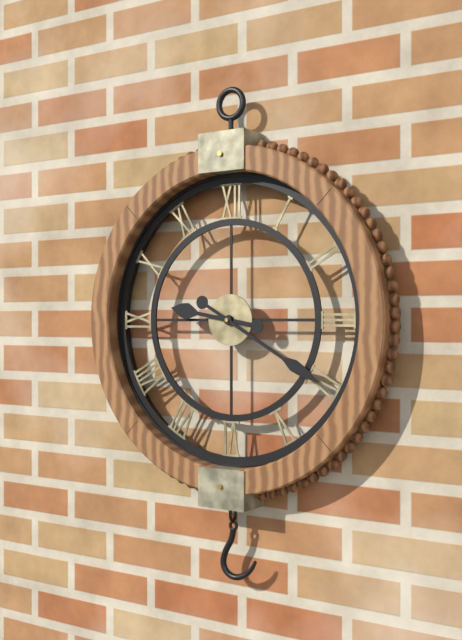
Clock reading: 9h20
